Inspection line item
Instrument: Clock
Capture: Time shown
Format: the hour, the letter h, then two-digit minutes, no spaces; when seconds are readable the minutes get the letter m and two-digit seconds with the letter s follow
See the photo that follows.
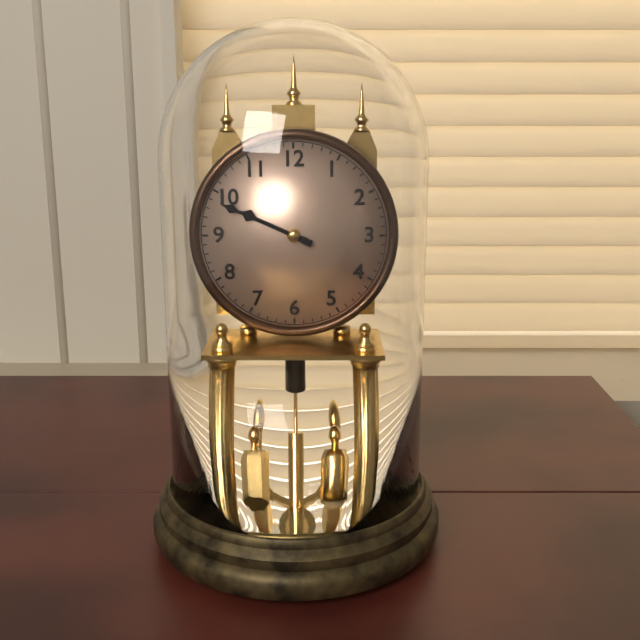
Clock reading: 9h49
